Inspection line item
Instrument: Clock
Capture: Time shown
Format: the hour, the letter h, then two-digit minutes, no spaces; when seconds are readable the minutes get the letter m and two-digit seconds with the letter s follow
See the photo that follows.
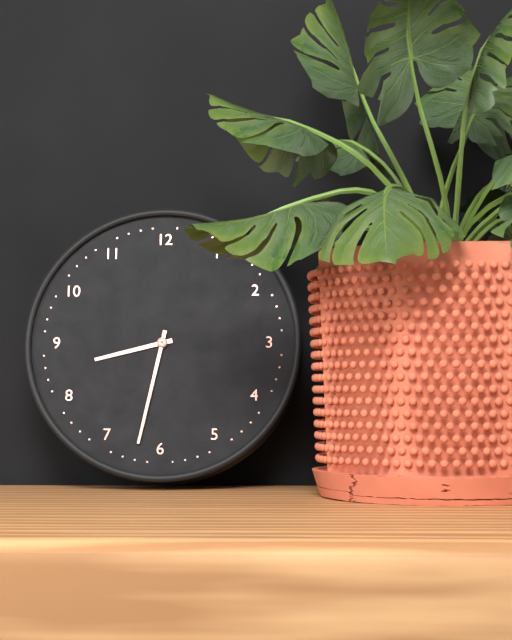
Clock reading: 8h32
